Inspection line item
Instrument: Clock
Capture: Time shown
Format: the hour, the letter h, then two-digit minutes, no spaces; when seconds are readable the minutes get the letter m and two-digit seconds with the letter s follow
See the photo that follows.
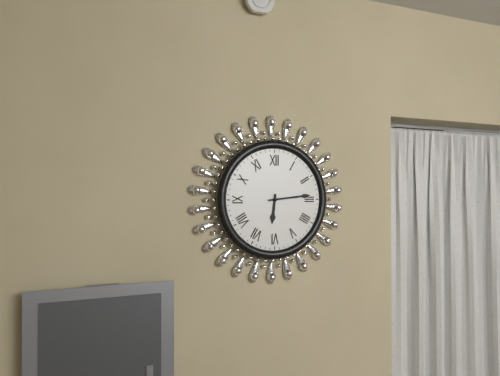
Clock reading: 6h14
